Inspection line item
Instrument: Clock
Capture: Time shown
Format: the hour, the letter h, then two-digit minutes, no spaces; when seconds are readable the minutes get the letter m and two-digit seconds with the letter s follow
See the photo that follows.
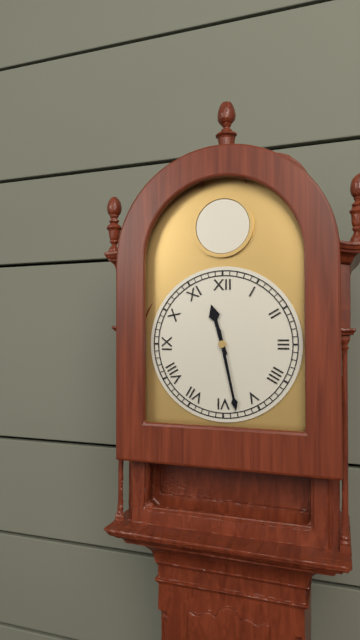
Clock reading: 11h28
